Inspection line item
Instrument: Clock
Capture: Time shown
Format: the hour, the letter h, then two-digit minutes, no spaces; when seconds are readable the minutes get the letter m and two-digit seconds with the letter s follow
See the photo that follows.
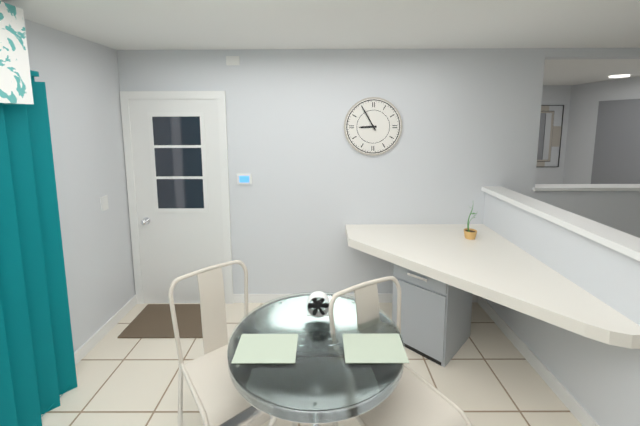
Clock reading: 8h55
